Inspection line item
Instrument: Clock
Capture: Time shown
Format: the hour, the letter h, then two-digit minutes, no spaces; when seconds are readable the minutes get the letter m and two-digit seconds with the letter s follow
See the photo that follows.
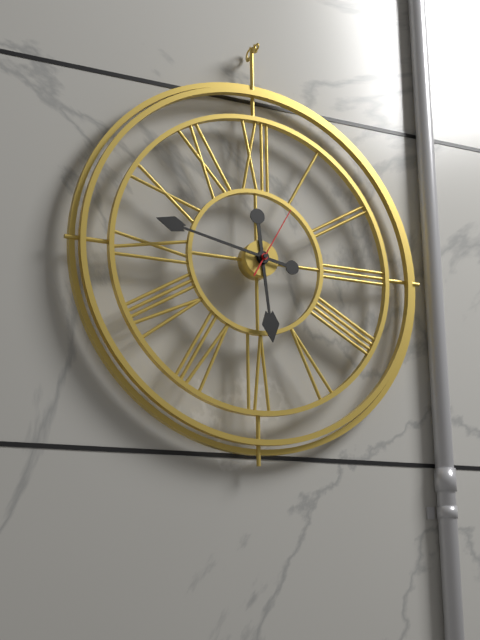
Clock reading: 5h47m05s
